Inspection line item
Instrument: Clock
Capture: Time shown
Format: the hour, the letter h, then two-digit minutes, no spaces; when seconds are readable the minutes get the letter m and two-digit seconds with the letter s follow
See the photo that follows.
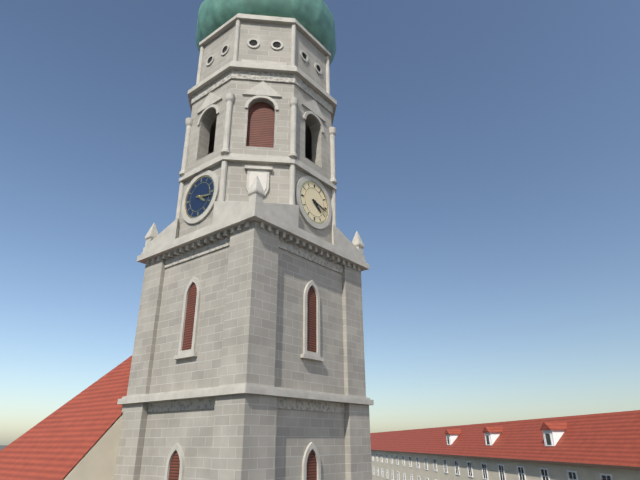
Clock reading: 4h17
